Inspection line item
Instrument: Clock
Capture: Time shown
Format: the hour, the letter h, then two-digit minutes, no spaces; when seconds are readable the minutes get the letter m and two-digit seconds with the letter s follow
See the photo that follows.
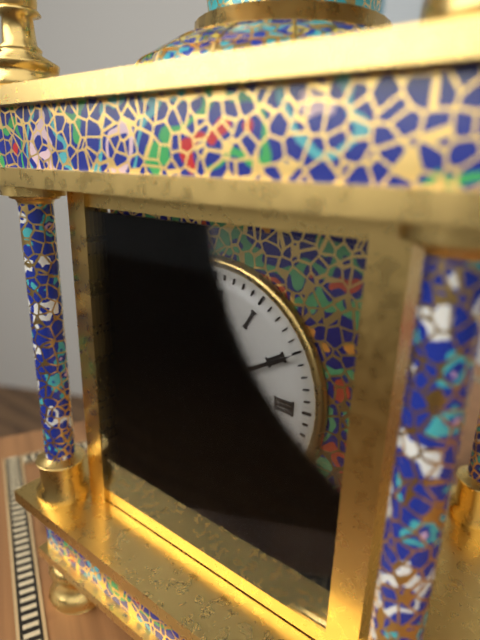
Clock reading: 10h10m30s
